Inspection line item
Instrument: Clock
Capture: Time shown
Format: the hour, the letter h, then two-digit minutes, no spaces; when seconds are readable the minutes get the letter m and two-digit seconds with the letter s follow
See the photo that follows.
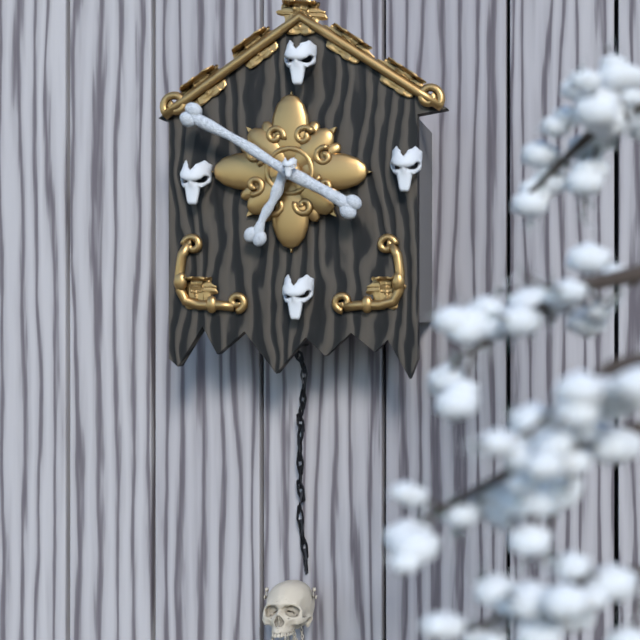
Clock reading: 6h50
